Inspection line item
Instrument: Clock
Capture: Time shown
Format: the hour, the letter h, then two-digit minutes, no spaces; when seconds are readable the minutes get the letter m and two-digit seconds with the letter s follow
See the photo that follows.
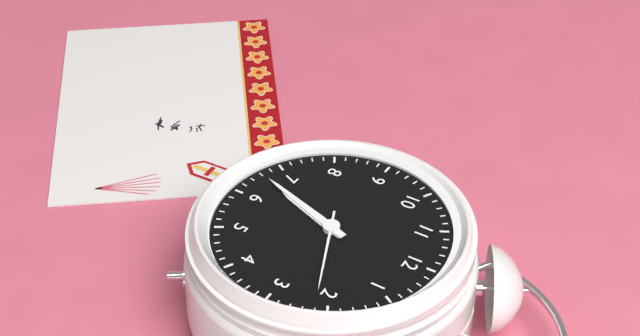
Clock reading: 6h33m11s
